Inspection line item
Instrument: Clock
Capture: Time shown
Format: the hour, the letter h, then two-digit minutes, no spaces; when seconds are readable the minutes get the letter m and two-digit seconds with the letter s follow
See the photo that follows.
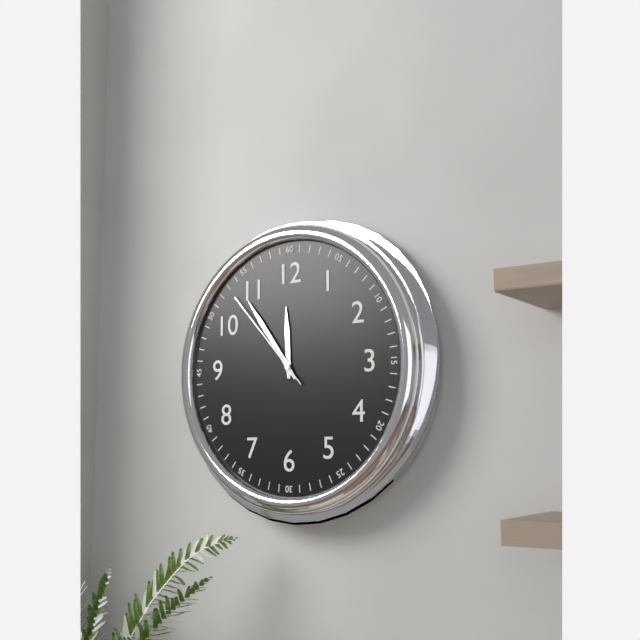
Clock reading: 11h54m53s
